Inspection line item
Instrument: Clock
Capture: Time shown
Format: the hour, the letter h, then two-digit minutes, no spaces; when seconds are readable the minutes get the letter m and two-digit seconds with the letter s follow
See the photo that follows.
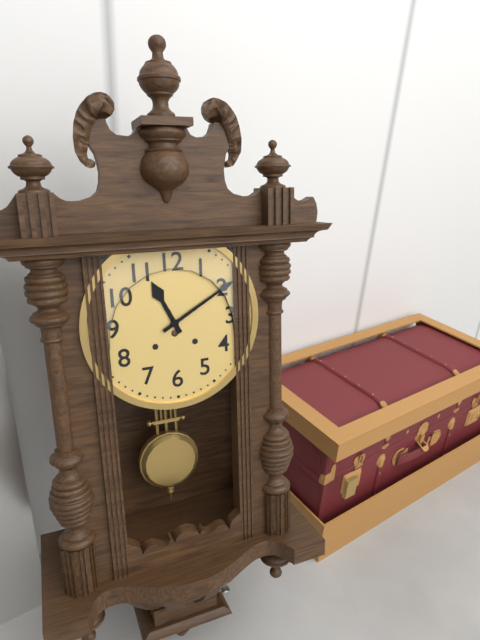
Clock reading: 11h10
